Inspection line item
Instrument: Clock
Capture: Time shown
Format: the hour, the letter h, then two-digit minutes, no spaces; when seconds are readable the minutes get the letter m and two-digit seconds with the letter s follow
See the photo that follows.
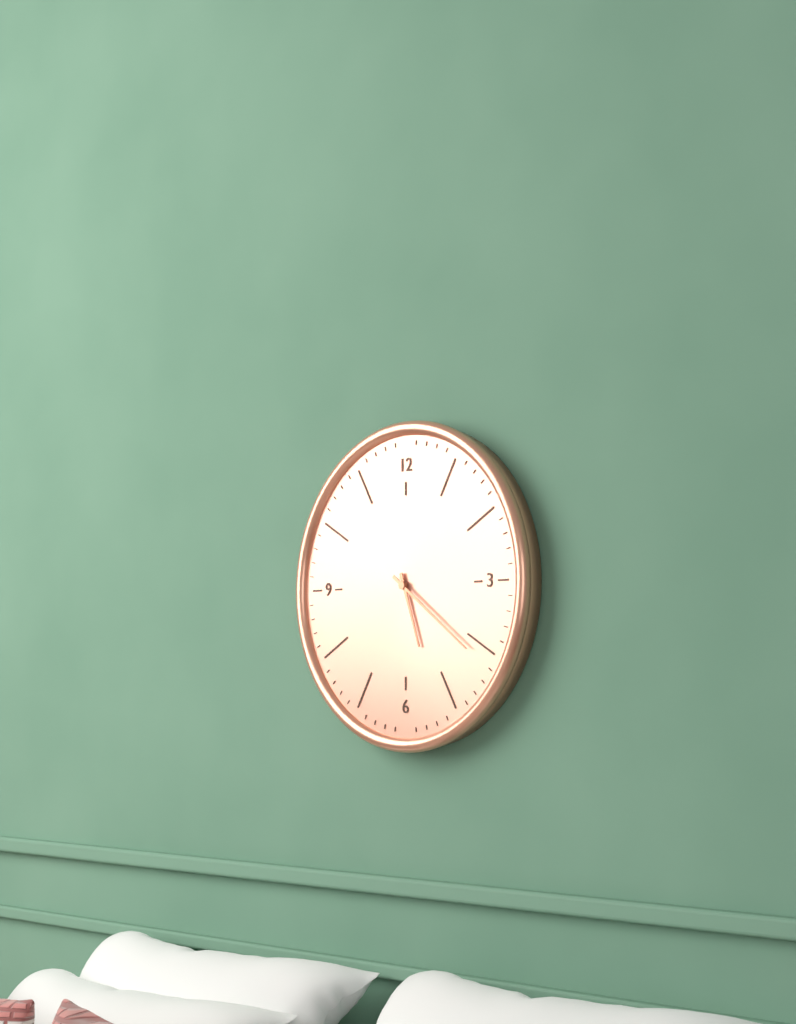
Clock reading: 5h21
